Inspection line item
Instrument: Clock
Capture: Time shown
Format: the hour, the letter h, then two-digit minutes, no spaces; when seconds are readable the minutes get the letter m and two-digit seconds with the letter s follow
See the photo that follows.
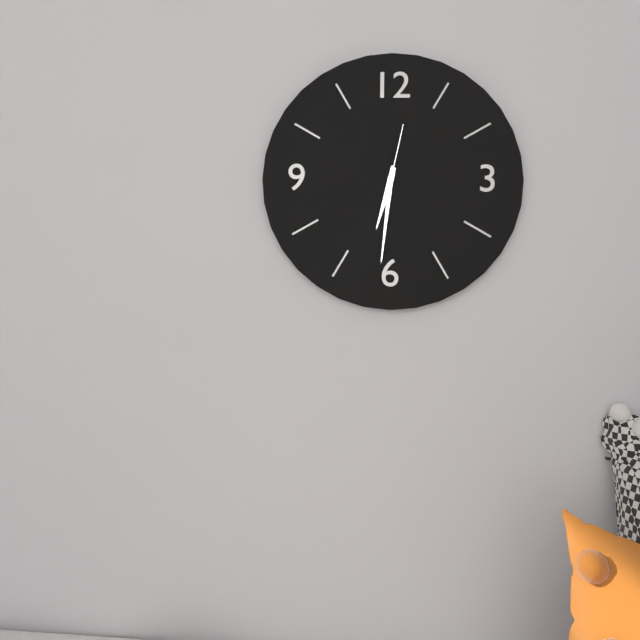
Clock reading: 6h31m02s
